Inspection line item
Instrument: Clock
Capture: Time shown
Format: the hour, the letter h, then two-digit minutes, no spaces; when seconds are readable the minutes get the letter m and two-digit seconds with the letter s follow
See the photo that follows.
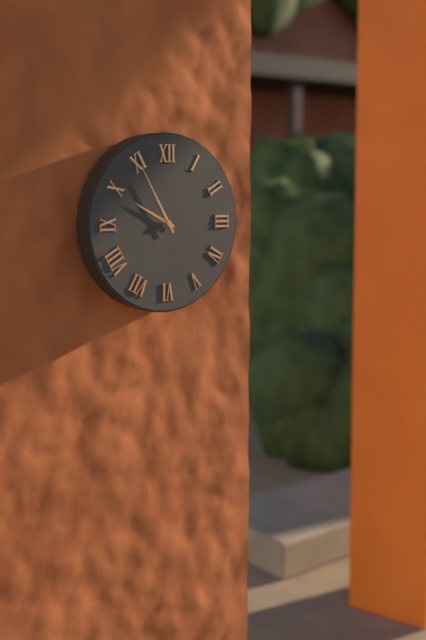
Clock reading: 9h55
